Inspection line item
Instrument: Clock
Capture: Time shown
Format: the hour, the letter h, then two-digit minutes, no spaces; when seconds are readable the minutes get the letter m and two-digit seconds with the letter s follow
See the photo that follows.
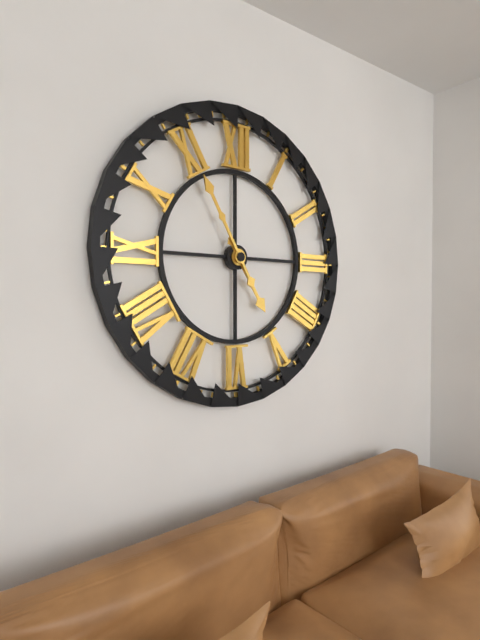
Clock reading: 4h55
